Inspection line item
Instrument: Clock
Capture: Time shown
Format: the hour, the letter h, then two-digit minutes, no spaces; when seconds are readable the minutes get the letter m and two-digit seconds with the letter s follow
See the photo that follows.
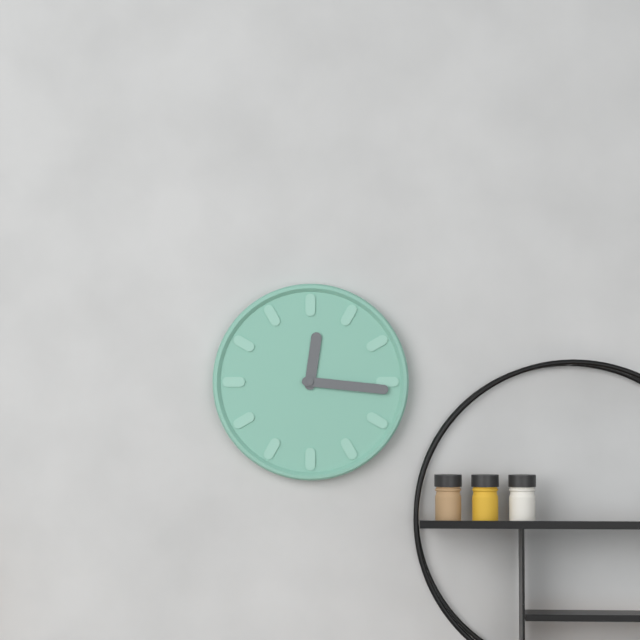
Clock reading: 12h16
